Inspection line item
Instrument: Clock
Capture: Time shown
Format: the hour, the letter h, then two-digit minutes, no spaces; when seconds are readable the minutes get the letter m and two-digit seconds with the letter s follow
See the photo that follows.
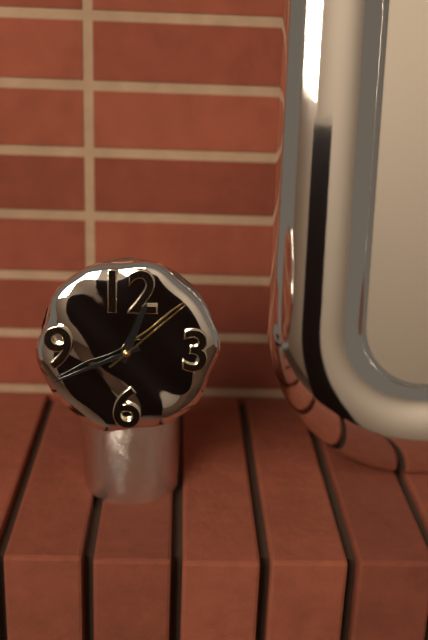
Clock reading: 12h41m08s
